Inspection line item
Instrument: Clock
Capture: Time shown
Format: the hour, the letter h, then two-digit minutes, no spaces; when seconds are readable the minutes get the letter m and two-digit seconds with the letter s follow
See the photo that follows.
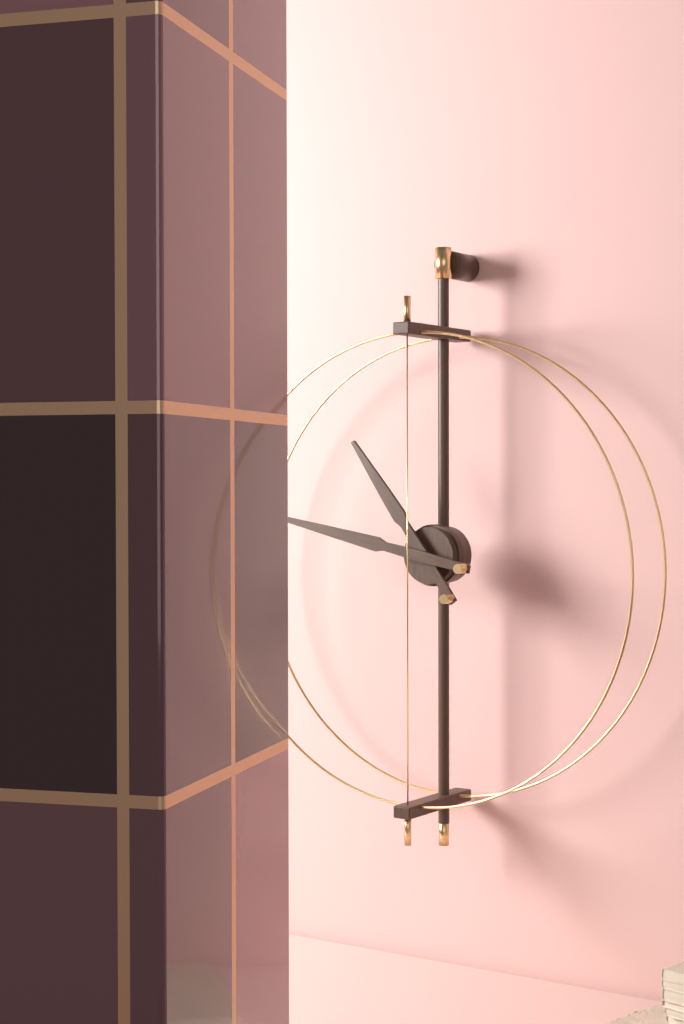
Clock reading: 10h47
